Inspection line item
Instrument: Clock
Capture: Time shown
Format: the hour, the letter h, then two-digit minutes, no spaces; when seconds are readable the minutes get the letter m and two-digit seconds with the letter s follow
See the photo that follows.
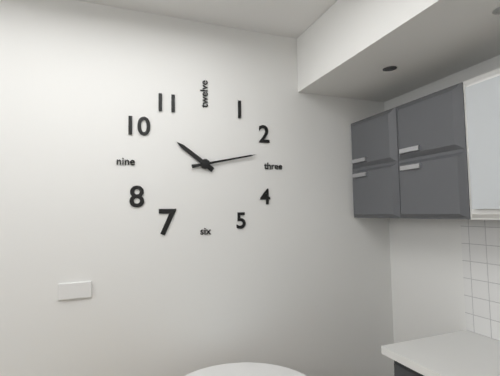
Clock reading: 10h13
